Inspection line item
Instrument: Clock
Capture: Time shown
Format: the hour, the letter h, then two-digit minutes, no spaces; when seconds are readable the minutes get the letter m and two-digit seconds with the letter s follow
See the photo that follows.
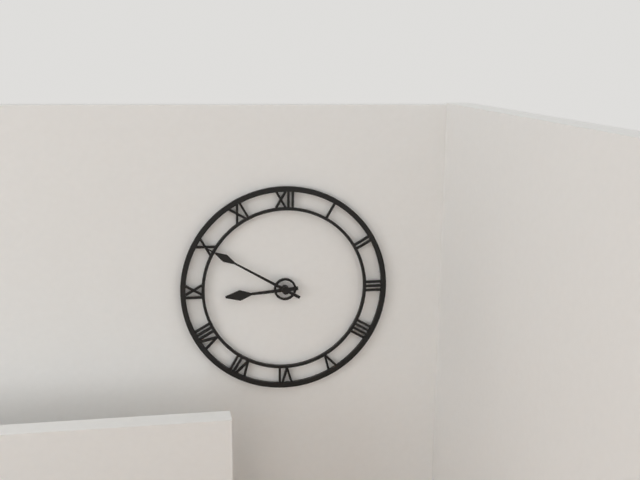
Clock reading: 8h50
